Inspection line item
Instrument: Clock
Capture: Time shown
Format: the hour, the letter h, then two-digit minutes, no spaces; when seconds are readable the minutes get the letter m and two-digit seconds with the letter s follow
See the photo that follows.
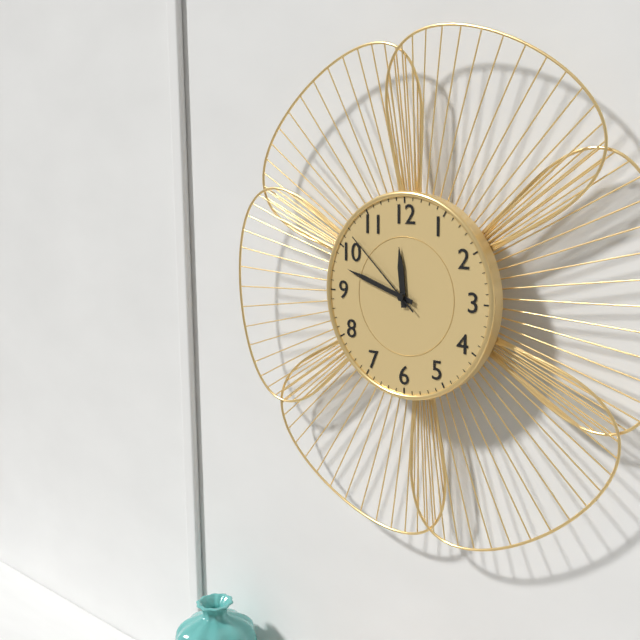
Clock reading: 11h48m52s
